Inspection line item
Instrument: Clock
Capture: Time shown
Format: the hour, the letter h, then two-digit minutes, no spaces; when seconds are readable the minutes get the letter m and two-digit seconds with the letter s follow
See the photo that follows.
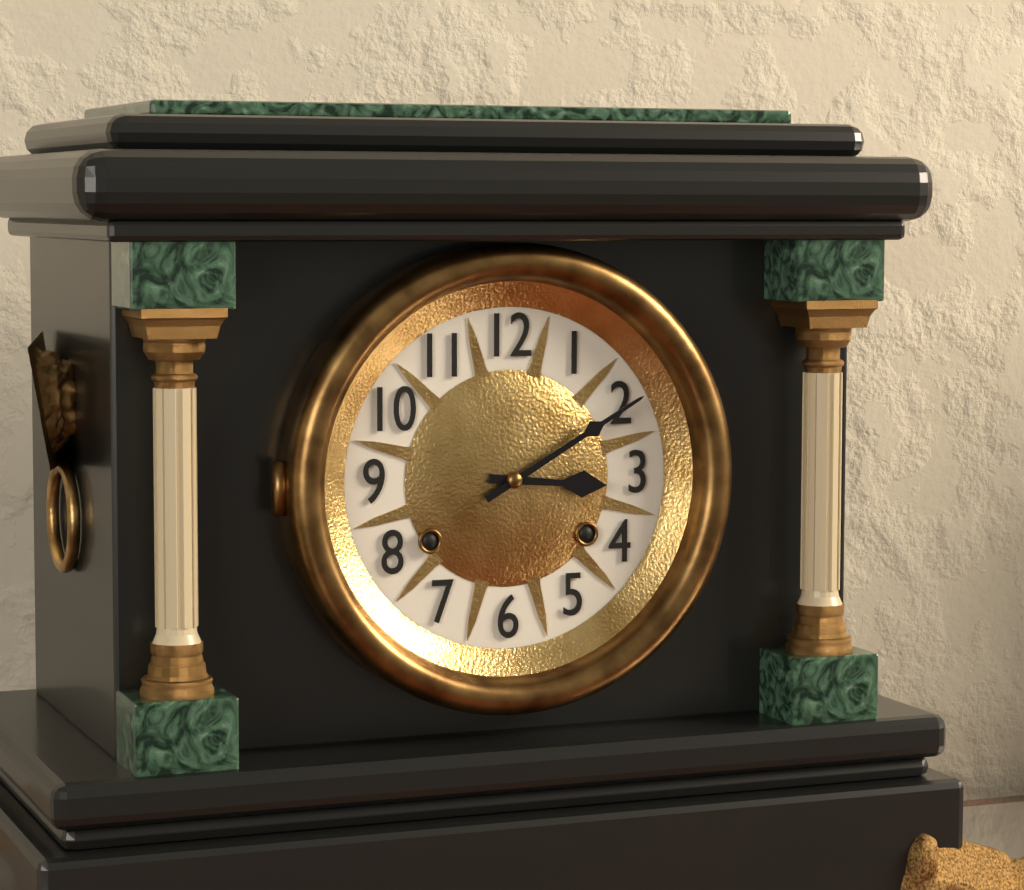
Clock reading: 3h10
